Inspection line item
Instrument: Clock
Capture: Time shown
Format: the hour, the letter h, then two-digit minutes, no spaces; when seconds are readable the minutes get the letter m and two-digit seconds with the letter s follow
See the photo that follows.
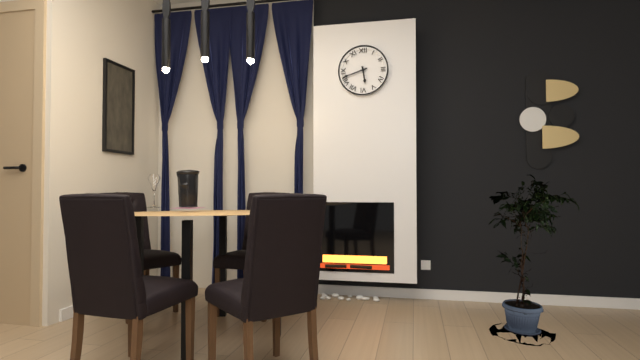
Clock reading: 5h42
